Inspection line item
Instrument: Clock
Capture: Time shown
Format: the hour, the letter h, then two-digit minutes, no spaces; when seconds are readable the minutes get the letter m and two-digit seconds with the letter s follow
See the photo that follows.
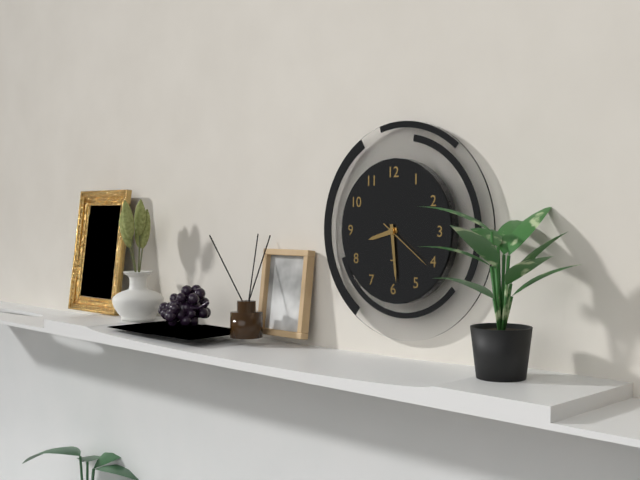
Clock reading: 8h29m21s
